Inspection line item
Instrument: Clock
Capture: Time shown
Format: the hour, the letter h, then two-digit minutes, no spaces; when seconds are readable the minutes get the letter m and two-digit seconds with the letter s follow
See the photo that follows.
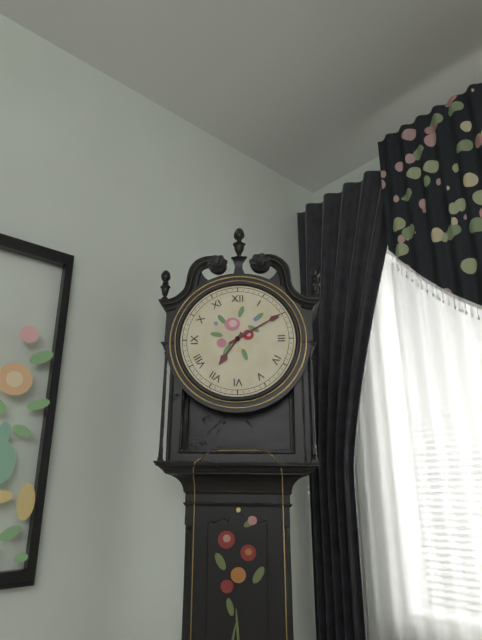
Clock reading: 7h10
